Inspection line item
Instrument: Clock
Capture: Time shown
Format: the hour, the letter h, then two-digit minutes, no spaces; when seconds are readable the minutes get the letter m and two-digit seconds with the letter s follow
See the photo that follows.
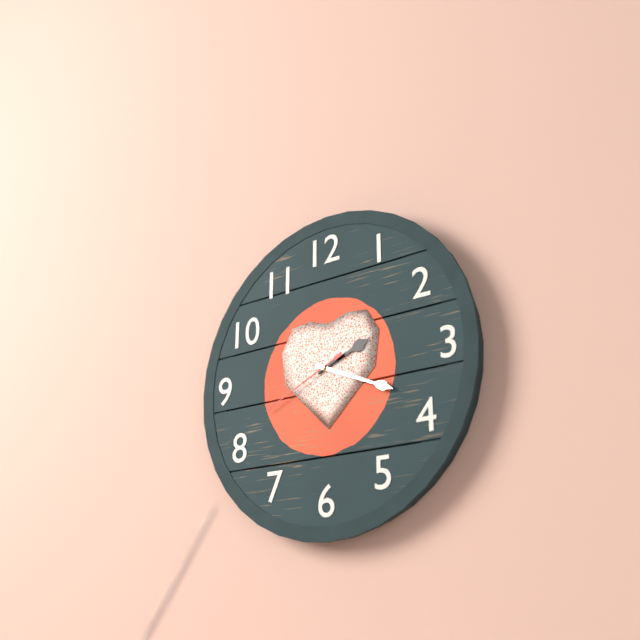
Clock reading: 2h19m41s
